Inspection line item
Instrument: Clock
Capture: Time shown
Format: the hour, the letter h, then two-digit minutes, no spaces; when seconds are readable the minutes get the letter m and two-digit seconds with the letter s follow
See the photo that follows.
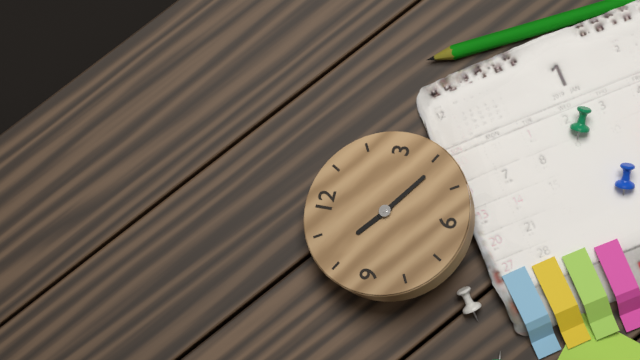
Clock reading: 10h21
